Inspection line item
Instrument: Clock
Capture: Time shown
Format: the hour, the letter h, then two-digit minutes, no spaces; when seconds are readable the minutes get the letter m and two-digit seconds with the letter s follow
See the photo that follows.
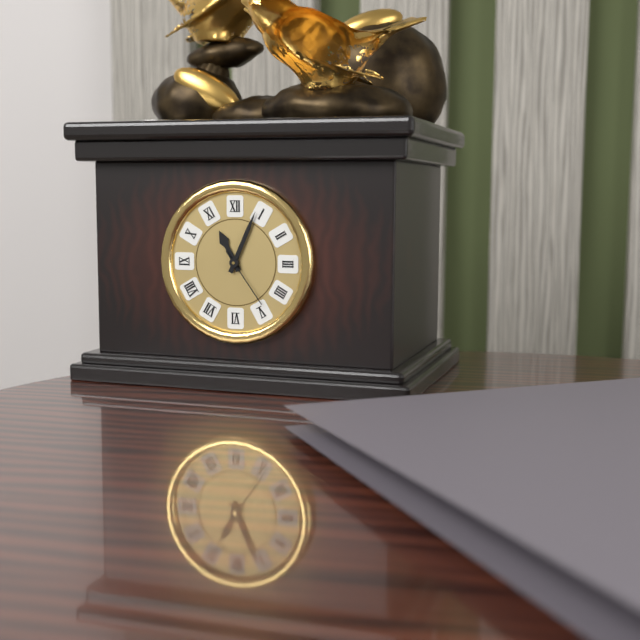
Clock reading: 11h04m24s
